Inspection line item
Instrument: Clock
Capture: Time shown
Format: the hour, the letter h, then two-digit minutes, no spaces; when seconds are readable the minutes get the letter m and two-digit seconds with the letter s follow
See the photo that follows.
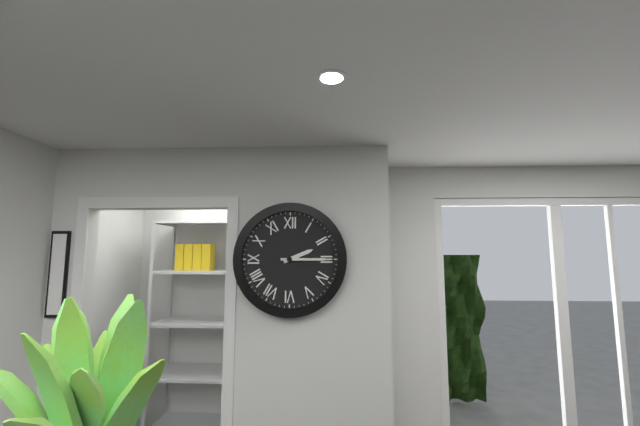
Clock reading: 2h15
